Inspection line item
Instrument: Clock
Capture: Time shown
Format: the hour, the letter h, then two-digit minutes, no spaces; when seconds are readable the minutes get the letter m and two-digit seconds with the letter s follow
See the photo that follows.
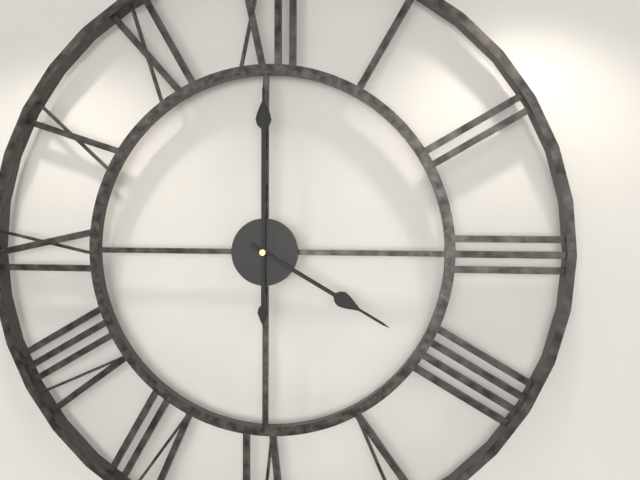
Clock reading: 4h00
